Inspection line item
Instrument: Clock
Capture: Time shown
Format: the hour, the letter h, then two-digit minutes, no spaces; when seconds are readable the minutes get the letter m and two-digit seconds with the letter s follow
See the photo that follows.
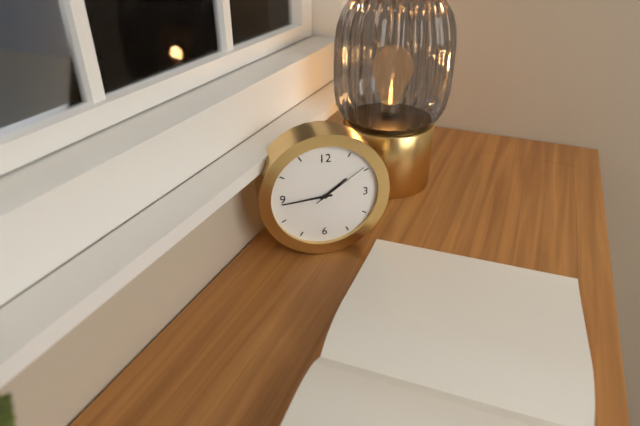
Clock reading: 1h44m09s
